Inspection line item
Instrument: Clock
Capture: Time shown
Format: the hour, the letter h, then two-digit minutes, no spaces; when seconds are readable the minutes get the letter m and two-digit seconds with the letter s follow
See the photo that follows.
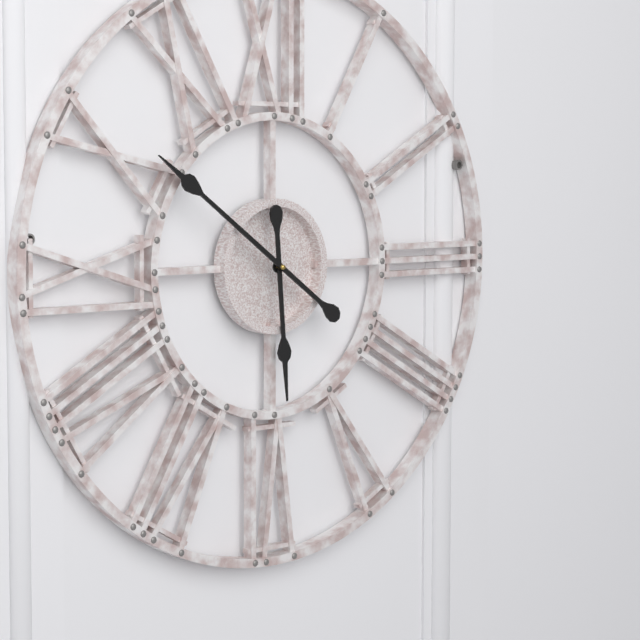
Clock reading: 5h51
